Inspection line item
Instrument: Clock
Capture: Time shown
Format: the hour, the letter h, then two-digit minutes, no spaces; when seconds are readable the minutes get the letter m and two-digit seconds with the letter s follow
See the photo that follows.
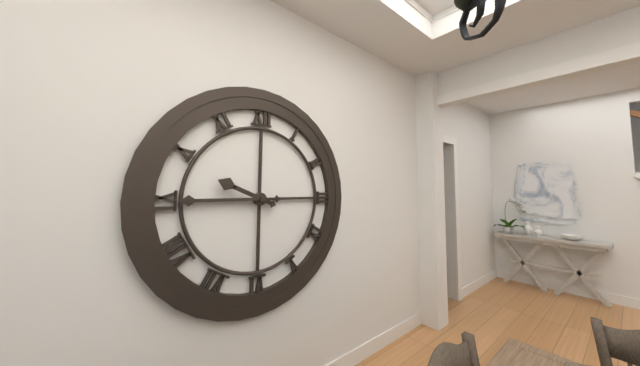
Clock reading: 9h45
